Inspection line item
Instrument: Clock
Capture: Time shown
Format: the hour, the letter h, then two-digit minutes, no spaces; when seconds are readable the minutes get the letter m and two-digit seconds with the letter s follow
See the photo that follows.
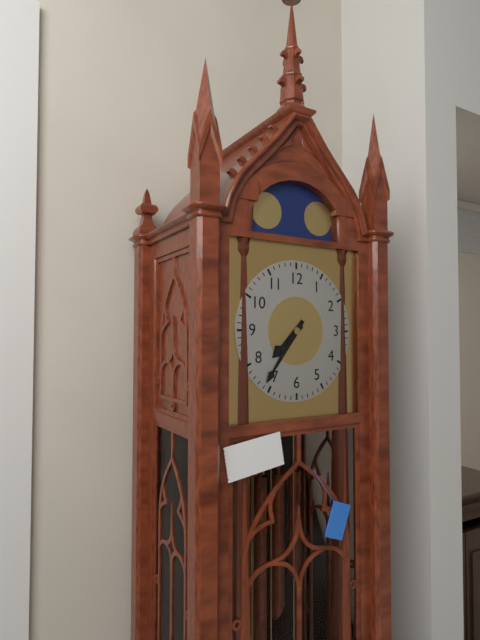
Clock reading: 7h36
